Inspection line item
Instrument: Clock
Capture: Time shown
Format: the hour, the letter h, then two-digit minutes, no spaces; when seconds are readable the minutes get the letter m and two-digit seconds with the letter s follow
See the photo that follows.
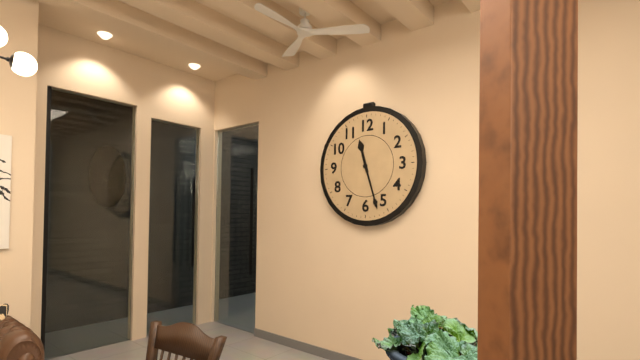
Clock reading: 11h27
